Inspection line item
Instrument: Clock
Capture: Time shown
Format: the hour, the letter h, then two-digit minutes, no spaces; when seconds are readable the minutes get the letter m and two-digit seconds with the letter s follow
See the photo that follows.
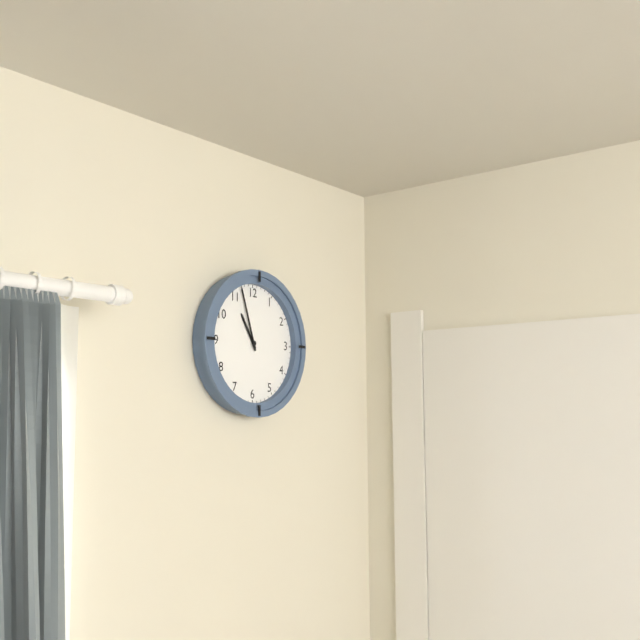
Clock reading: 10h57
